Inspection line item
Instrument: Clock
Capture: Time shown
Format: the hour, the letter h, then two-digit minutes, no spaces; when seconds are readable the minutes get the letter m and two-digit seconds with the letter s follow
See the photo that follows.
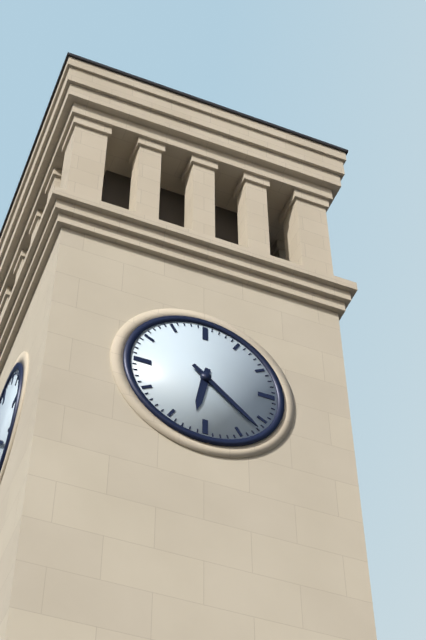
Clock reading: 6h22
